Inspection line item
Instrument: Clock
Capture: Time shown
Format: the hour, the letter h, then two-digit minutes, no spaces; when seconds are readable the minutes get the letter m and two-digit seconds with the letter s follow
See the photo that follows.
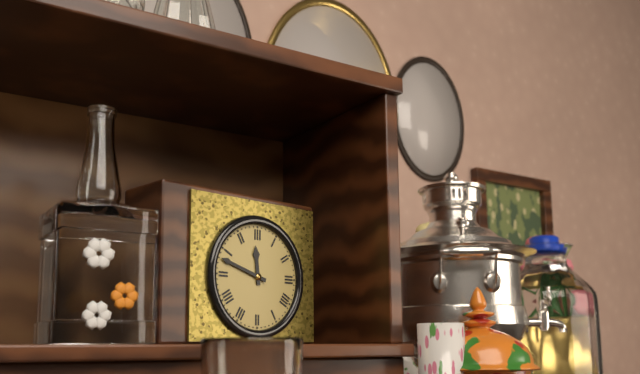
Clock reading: 11h48
